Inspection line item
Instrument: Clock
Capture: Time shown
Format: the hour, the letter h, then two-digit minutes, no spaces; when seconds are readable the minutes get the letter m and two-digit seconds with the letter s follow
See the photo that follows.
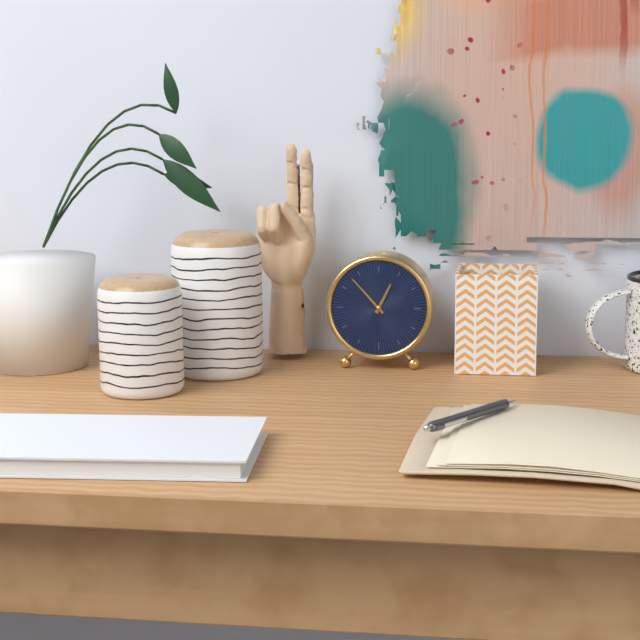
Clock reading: 12h53
